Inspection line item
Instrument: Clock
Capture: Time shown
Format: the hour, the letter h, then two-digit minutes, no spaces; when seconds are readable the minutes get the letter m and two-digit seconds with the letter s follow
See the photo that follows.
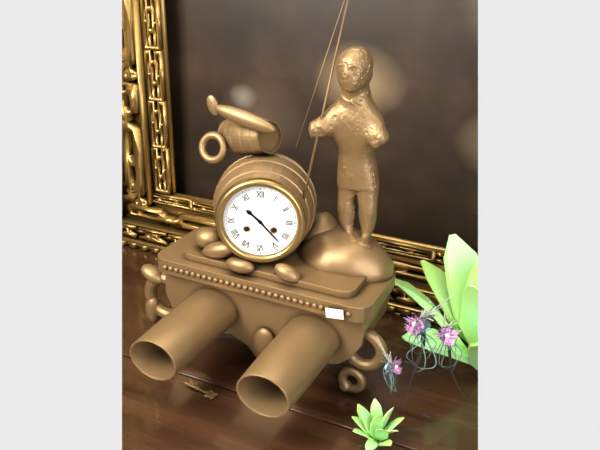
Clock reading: 10h23
